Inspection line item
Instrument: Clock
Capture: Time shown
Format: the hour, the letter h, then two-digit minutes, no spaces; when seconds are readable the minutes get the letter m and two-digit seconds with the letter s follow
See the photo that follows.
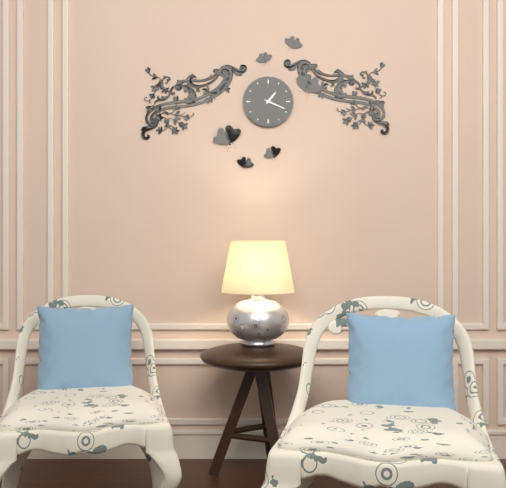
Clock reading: 1h19
